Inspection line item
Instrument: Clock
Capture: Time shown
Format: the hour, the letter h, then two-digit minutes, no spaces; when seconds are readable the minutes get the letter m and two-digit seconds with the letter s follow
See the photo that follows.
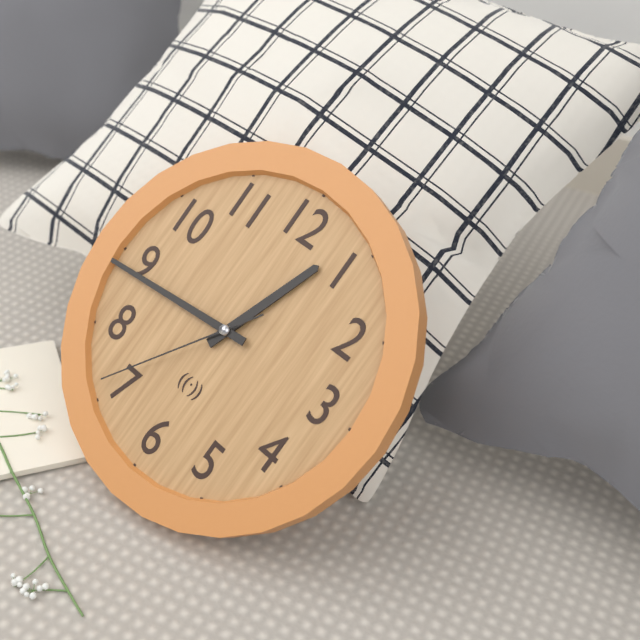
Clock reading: 12h44m36s
